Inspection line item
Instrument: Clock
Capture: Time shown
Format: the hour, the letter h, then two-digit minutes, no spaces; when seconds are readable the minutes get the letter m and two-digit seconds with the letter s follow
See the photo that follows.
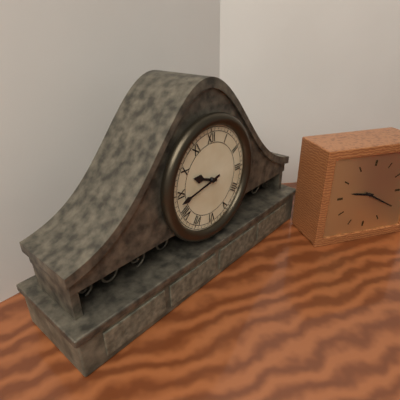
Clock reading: 9h43
